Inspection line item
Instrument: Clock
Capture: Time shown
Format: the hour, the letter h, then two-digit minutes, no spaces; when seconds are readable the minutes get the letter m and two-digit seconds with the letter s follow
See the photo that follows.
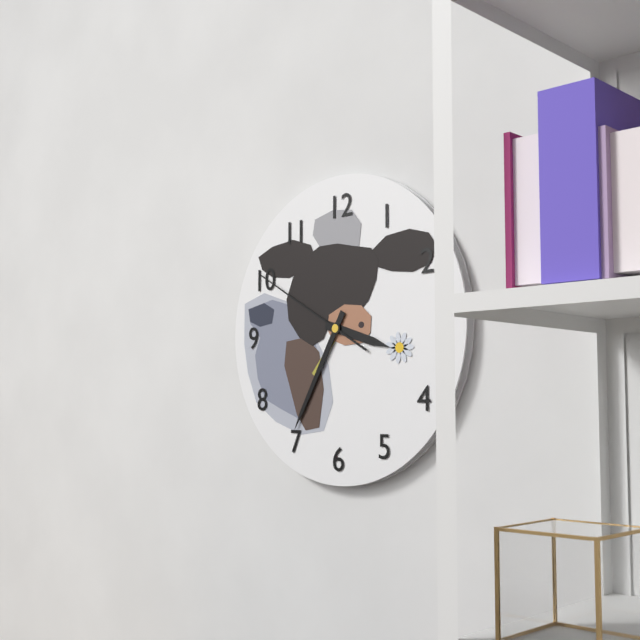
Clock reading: 3h35m50s
